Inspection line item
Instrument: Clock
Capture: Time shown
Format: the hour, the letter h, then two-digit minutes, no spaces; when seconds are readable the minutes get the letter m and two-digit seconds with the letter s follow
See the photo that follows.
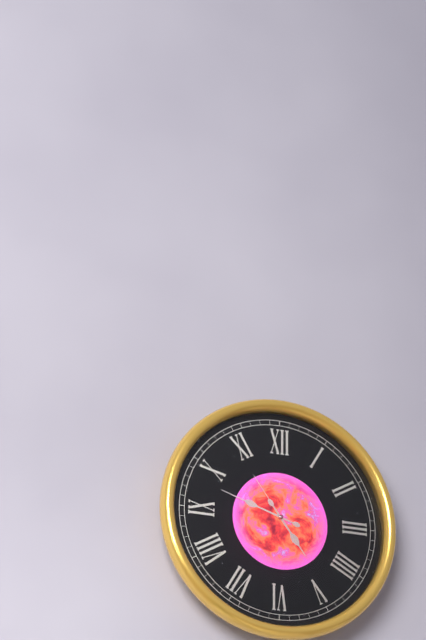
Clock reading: 4h48m54s
